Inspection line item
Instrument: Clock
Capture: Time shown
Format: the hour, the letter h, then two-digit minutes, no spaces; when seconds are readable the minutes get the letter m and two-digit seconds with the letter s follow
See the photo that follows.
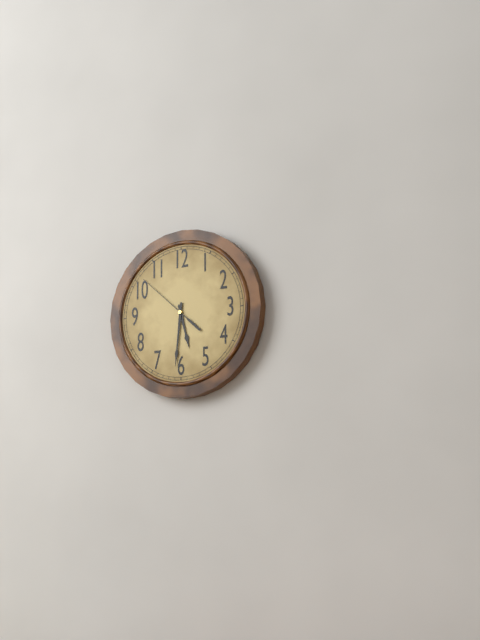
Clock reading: 5h31m52s
